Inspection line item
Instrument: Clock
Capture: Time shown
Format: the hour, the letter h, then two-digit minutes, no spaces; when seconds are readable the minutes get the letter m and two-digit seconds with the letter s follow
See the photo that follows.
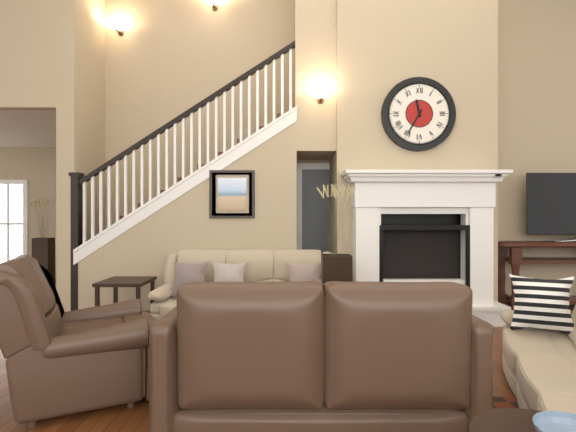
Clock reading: 11h35
